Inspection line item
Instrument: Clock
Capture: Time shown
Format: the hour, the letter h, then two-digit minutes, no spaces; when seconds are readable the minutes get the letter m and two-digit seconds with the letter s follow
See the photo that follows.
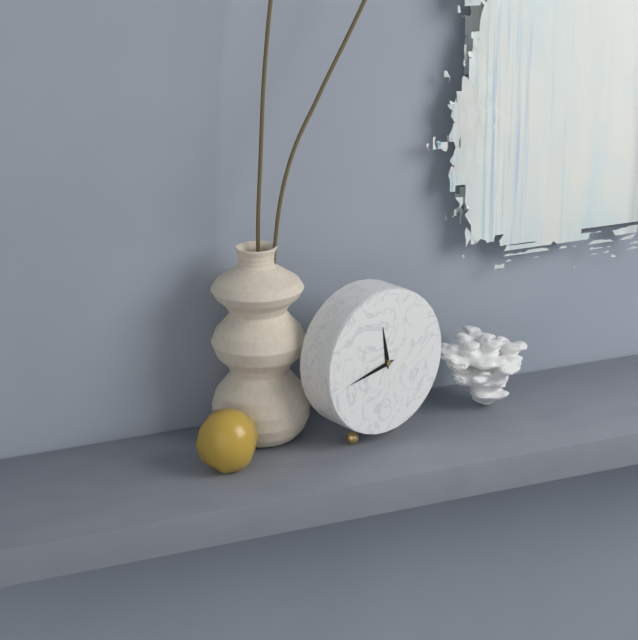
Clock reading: 11h43
